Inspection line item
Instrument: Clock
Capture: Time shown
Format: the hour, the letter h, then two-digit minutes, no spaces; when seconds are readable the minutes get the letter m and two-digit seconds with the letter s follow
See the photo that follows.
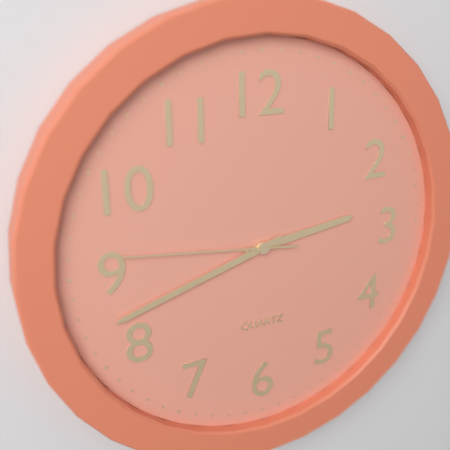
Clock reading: 2h42m46s
